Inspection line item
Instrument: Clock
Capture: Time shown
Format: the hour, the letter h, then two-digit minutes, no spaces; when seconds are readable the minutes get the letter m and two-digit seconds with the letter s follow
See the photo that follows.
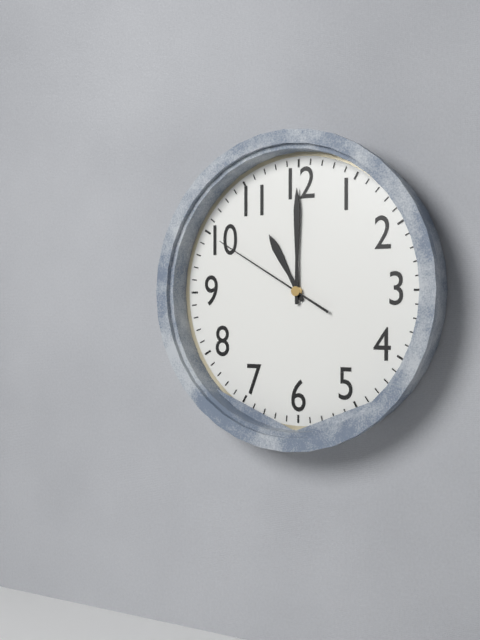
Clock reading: 11h00m50s
